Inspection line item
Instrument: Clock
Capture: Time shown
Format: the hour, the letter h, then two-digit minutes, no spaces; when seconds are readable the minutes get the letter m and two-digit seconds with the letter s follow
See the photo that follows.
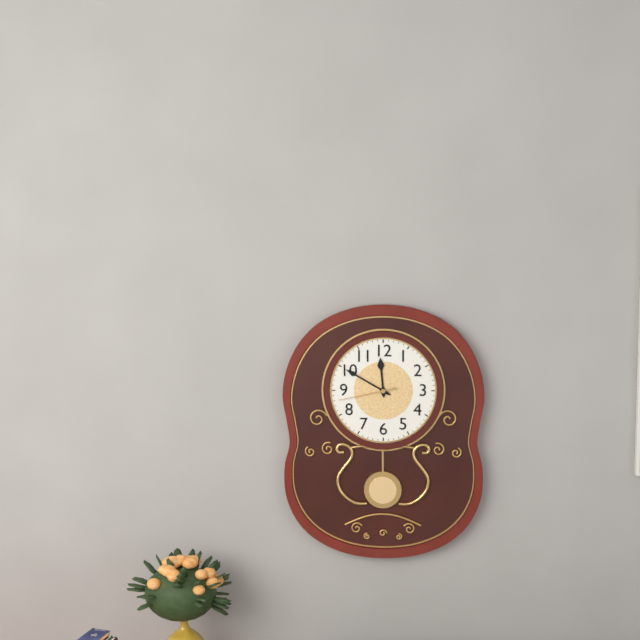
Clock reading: 11h50m43s
